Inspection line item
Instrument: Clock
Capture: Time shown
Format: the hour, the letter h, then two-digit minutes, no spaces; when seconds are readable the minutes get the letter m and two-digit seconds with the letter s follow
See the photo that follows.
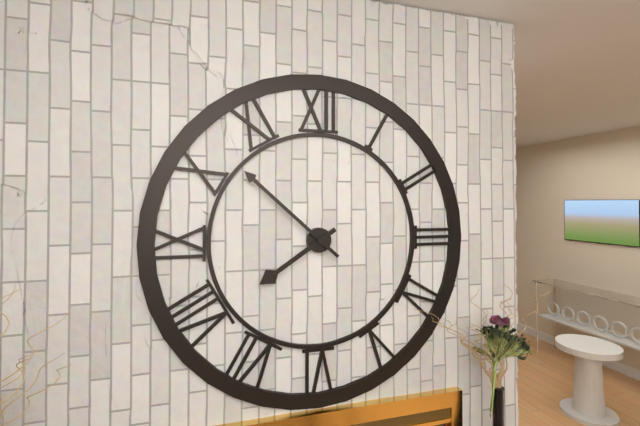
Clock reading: 7h52
